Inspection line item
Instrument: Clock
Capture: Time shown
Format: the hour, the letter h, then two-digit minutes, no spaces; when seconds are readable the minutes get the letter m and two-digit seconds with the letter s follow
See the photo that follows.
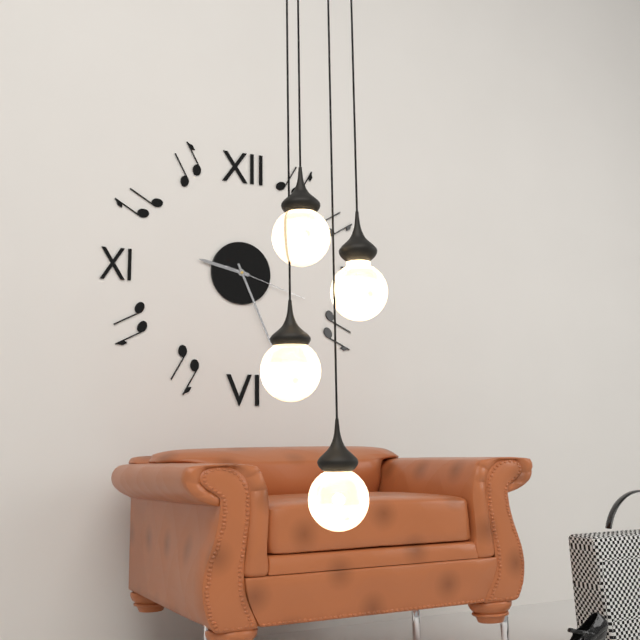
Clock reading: 9h26m18s
